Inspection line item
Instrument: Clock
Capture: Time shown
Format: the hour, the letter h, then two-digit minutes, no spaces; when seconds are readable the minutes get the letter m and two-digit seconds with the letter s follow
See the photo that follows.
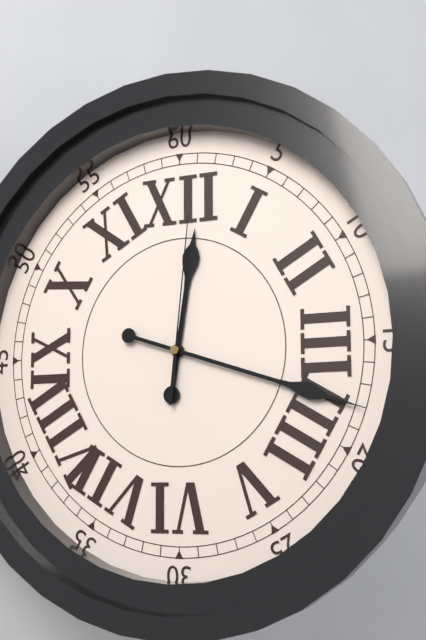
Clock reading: 12h18m01s
